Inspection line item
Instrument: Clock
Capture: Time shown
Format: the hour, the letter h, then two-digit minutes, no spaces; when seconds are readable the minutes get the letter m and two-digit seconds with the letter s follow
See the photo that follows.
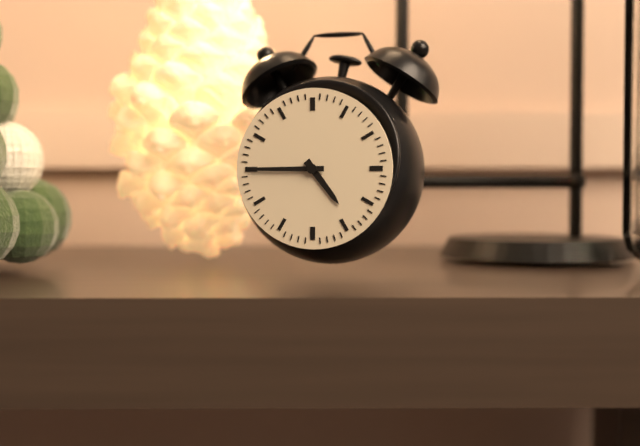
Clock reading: 4h45
